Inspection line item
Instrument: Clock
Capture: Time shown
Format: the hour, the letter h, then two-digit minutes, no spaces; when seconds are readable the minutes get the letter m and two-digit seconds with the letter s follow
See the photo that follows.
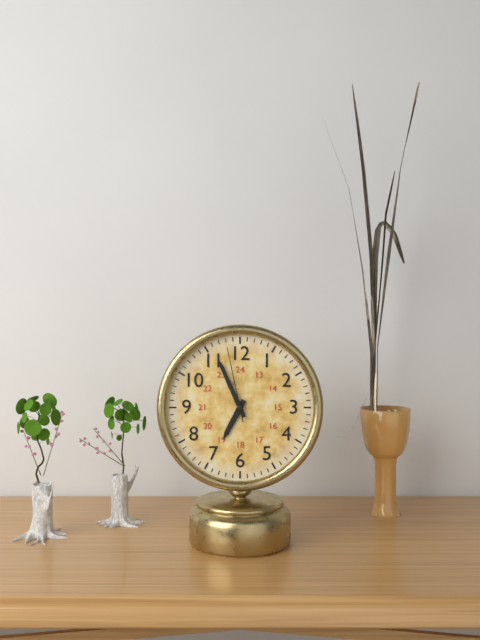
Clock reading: 6h56m58s
